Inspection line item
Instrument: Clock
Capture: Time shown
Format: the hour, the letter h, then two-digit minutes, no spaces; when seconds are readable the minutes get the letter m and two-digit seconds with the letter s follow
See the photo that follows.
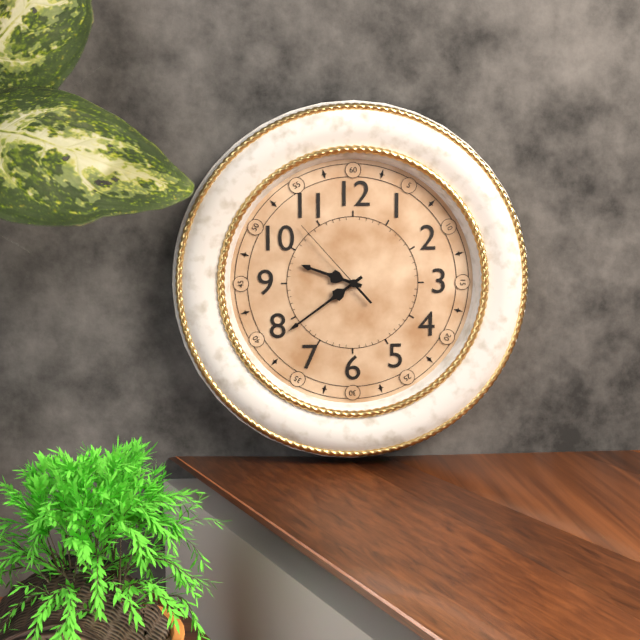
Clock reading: 9h39m53s
